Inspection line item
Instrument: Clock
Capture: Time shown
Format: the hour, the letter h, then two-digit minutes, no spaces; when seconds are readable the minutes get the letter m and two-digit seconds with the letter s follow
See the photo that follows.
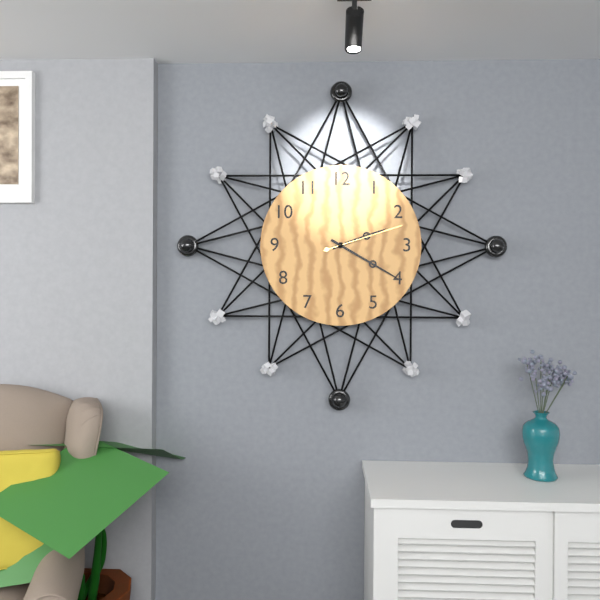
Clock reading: 2h20m12s
